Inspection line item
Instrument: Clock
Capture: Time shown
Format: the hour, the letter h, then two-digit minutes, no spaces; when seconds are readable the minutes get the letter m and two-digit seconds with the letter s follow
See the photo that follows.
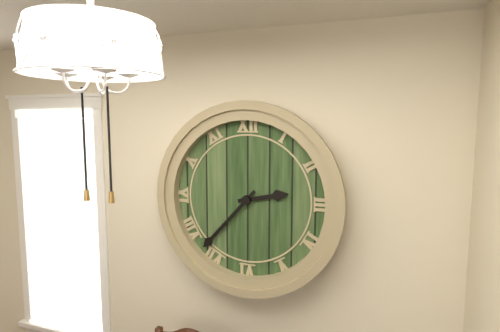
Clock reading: 2h37
